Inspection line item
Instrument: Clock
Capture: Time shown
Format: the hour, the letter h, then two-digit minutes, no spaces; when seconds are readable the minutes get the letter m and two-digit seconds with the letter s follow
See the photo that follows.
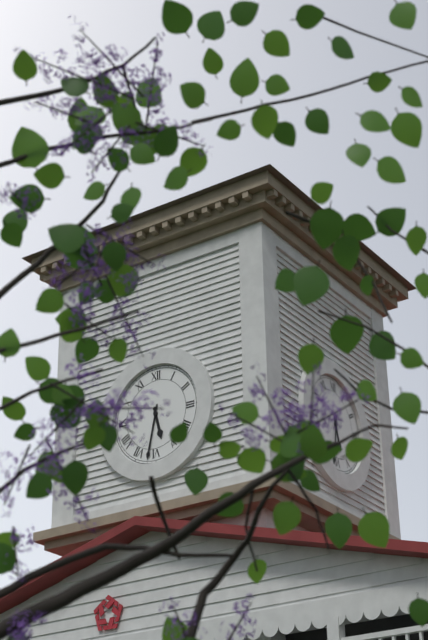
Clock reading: 5h32
